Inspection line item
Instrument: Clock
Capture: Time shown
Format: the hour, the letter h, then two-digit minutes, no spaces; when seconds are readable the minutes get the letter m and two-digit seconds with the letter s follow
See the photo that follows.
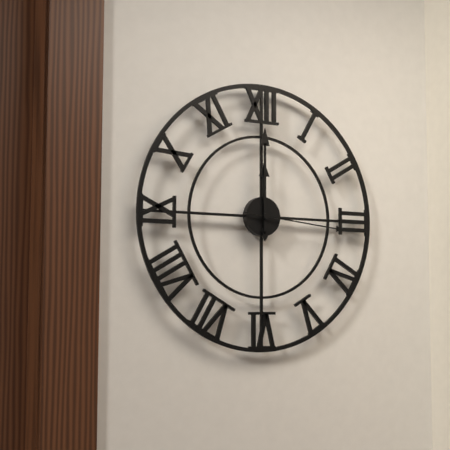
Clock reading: 12h00m16s
